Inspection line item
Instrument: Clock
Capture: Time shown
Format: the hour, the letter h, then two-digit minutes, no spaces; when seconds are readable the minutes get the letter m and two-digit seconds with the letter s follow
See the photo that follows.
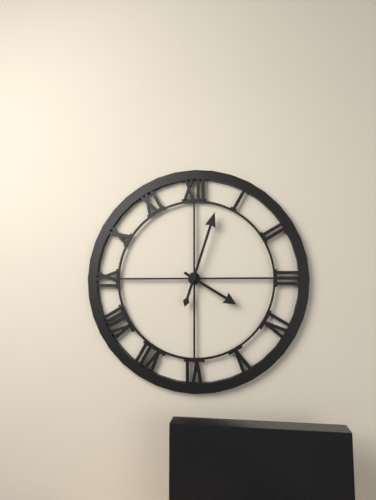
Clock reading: 4h03
